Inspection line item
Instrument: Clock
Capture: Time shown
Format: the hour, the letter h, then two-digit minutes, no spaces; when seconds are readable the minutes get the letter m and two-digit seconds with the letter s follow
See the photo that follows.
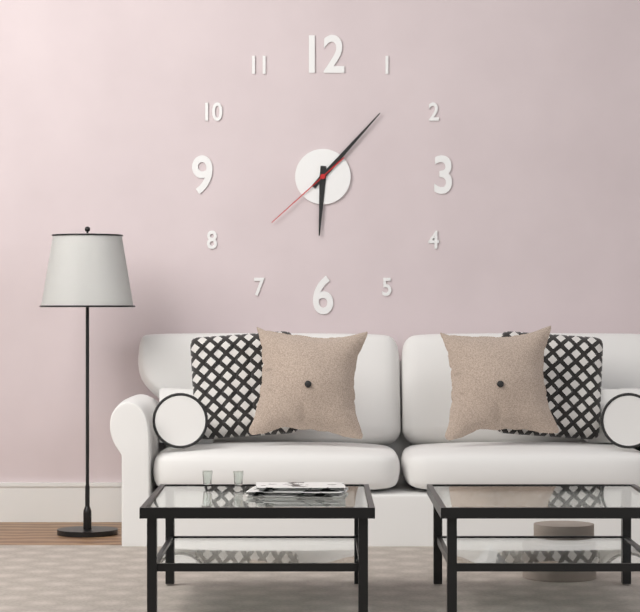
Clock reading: 6h07m38s
